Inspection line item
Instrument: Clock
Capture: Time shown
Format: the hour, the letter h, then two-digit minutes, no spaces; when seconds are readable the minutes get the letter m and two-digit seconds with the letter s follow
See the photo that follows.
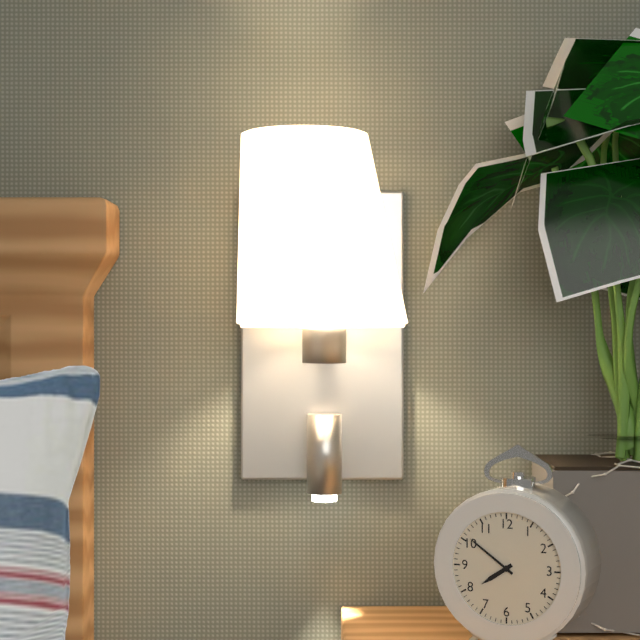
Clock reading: 7h51
